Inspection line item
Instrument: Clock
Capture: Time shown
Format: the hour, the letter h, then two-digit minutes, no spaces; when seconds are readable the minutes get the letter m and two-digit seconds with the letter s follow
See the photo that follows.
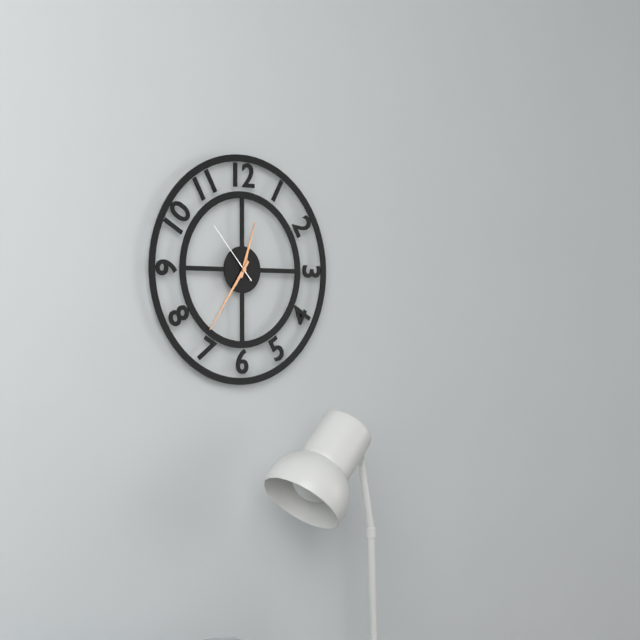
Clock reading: 12h36m53s
